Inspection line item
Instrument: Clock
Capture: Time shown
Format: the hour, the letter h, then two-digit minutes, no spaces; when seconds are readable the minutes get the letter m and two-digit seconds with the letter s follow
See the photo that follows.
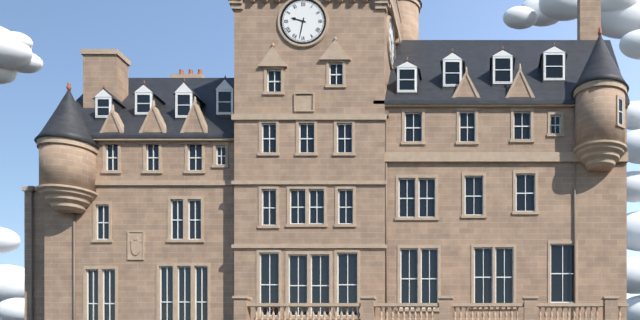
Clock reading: 9h32
